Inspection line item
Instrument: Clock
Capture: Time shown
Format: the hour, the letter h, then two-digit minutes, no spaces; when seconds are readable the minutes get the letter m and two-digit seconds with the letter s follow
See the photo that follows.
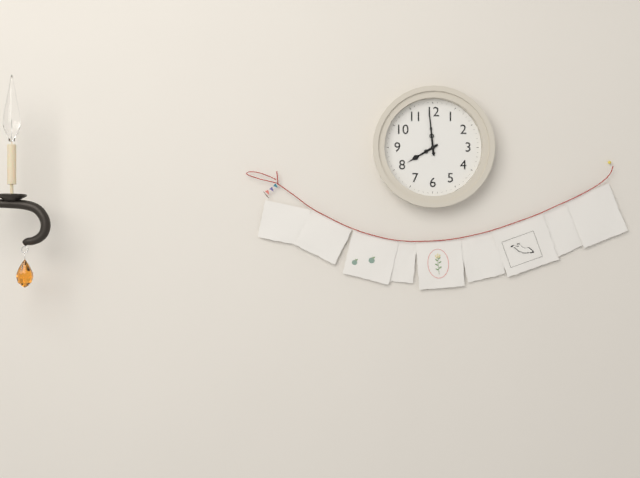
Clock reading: 7h59
